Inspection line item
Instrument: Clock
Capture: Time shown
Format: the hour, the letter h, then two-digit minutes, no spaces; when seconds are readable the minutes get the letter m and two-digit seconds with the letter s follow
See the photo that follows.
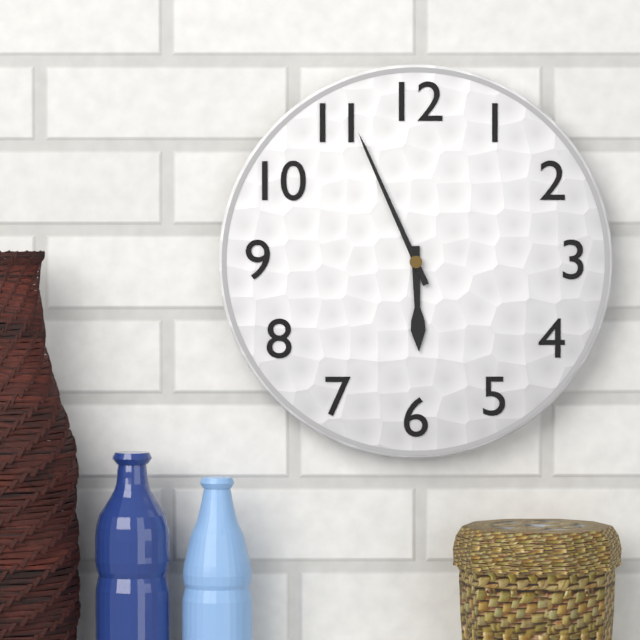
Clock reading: 5h56
